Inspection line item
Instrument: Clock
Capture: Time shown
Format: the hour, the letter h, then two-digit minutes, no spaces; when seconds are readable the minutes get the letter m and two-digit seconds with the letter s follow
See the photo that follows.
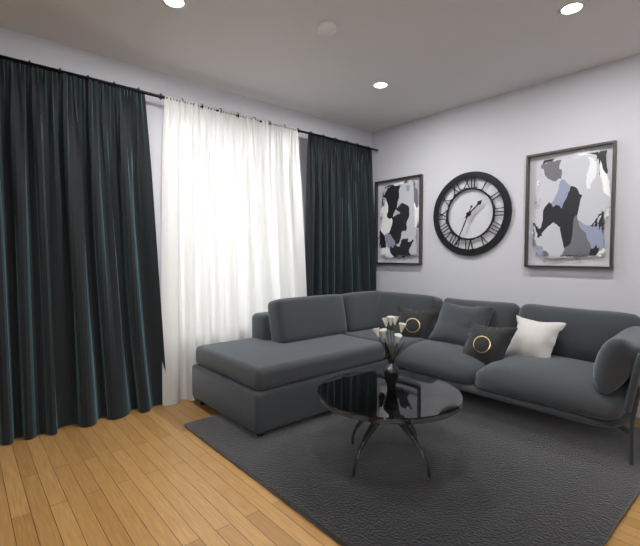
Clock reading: 1h34
